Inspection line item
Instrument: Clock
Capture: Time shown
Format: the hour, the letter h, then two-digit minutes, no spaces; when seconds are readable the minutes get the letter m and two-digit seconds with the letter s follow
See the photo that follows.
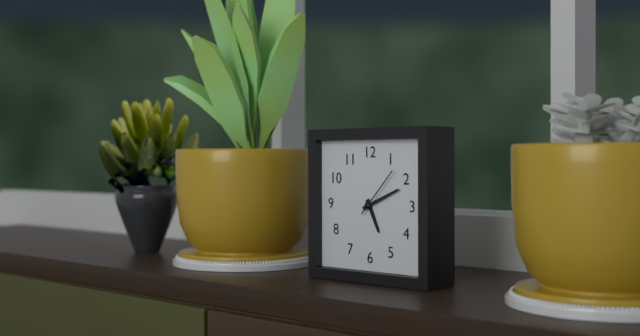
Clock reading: 5h11m07s
